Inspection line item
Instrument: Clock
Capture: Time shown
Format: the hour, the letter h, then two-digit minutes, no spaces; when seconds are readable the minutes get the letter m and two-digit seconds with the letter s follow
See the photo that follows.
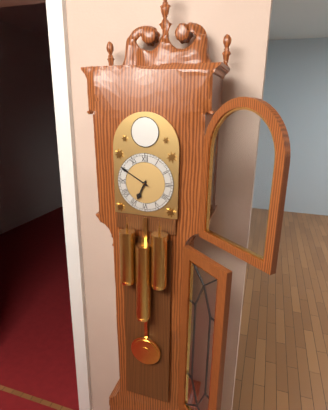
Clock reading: 6h50
